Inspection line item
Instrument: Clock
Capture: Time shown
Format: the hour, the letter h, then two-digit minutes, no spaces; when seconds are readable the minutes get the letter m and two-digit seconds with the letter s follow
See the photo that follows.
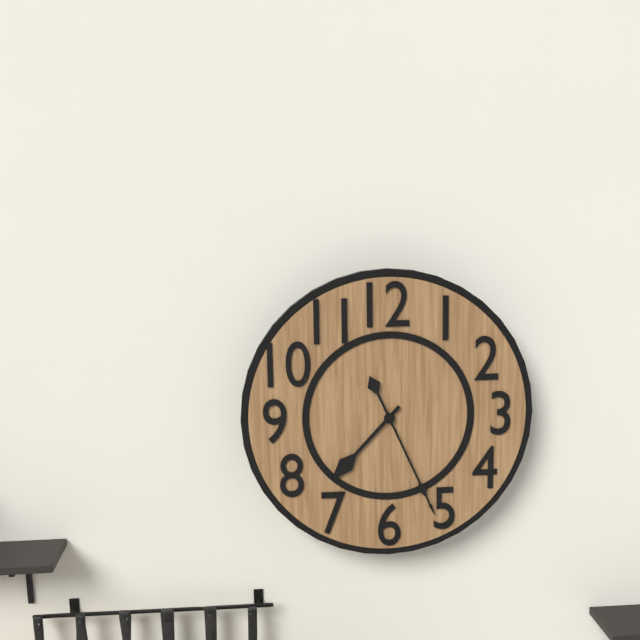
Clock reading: 7h26
